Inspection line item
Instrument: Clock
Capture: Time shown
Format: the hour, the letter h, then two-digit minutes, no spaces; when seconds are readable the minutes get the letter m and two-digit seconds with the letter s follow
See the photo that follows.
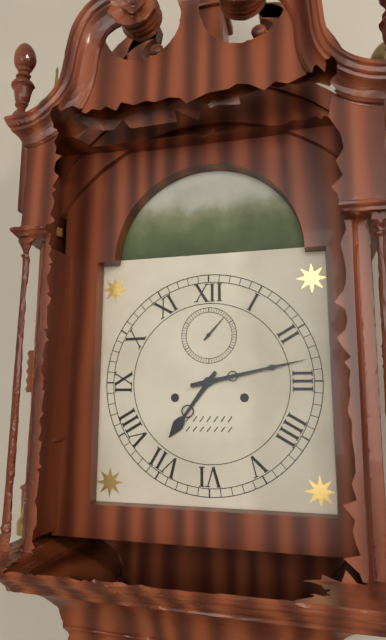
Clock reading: 7h13
